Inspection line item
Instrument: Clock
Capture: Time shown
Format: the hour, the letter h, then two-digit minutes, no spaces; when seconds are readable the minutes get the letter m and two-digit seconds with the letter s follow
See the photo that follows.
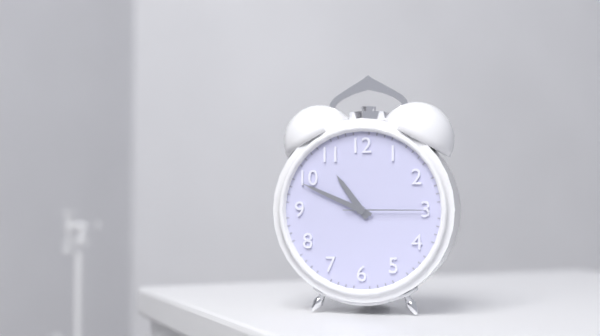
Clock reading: 10h49m15s
